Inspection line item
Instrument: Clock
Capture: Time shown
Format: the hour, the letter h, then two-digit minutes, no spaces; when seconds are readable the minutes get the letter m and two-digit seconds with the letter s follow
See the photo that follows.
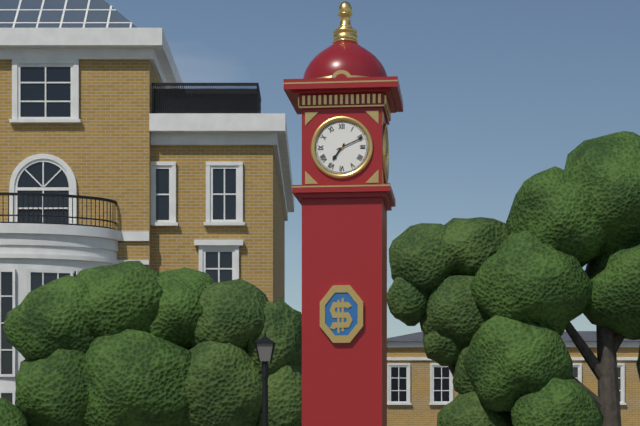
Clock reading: 7h11
